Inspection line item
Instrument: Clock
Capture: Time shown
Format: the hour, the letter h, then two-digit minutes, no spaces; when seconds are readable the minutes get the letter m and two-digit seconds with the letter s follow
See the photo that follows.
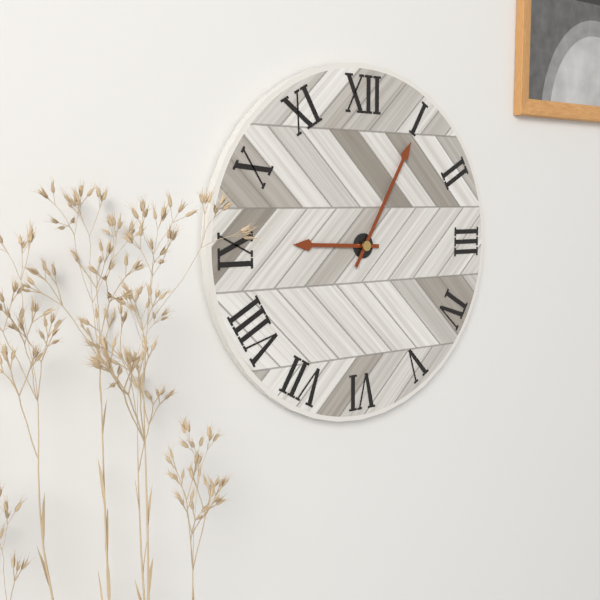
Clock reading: 9h05
